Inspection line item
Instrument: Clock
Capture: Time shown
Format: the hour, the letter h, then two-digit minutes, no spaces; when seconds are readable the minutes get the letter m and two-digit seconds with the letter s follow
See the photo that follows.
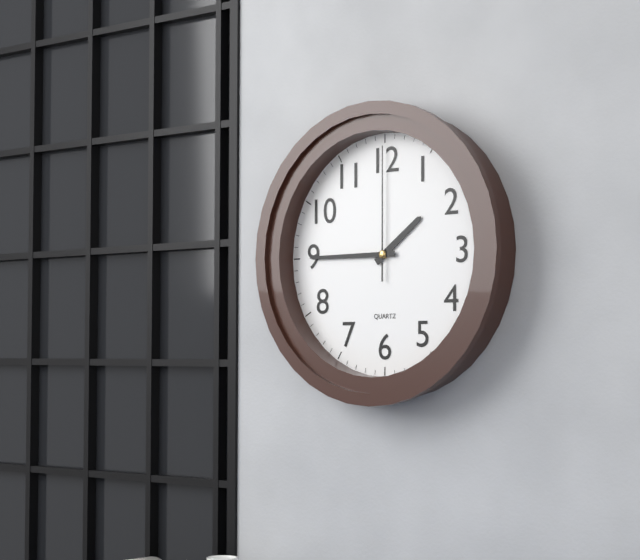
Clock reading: 1h45m00s
